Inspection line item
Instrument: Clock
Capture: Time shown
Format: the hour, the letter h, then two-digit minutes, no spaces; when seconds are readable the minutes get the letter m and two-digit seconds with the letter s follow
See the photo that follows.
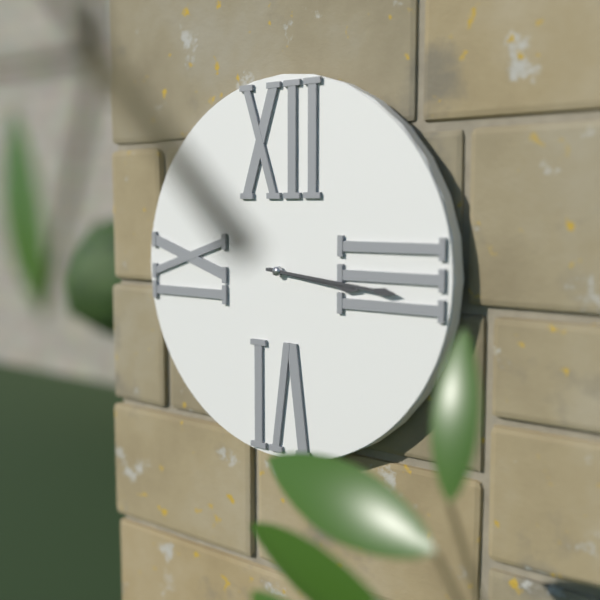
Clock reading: 3h16
